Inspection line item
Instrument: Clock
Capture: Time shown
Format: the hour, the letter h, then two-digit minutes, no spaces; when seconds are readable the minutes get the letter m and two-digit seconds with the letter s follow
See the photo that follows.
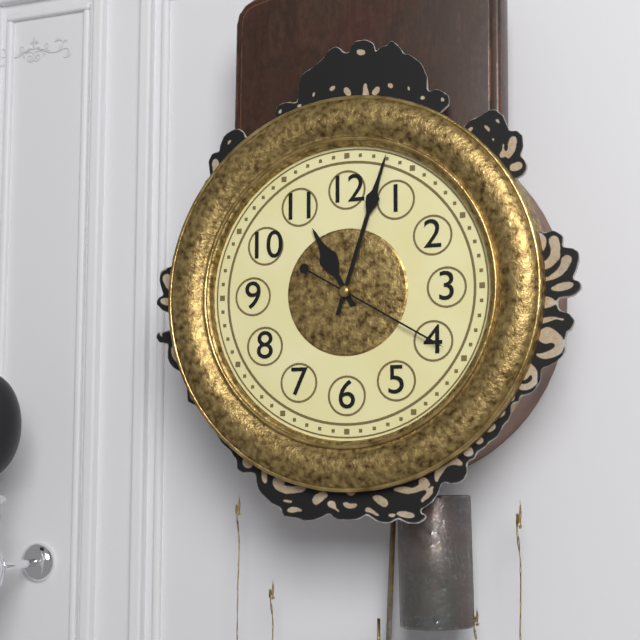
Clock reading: 11h03m20s
